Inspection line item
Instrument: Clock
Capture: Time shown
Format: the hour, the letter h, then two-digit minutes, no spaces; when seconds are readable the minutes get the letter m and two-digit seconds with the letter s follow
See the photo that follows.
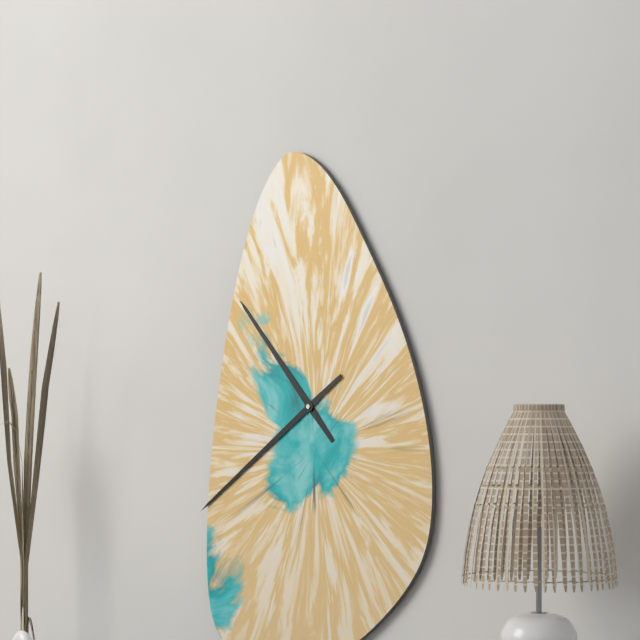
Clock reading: 10h39
